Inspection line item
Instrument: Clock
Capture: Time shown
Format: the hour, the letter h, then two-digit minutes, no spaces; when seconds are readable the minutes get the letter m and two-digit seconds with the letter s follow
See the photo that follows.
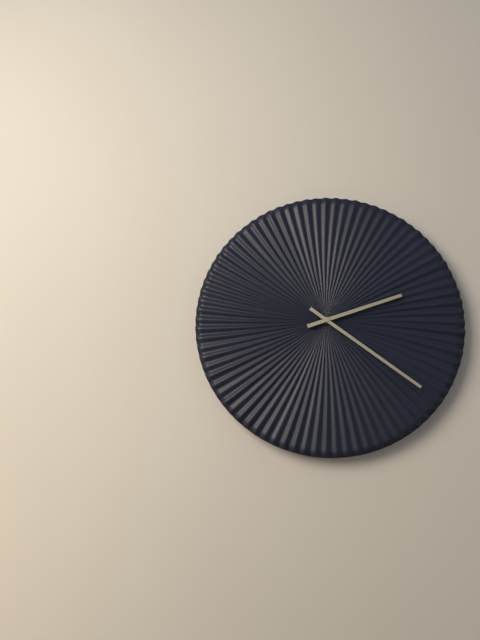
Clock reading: 2h21
